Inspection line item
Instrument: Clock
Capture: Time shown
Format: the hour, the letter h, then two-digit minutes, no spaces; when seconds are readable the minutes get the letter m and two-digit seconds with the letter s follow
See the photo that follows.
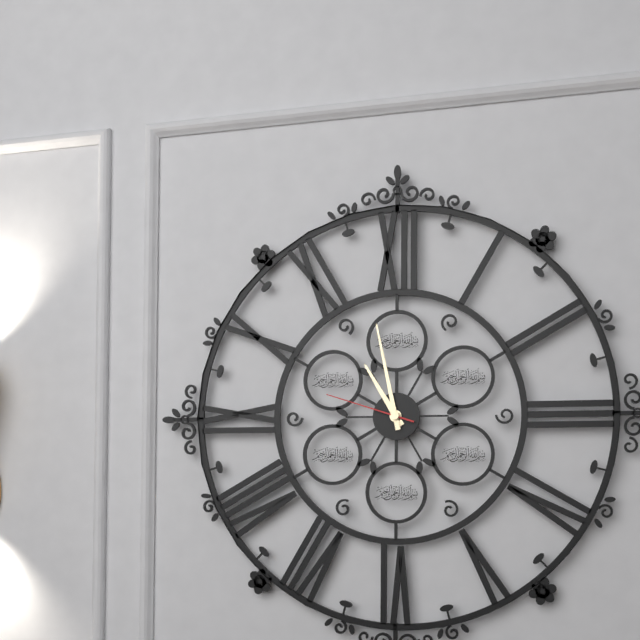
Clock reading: 10h58m48s
